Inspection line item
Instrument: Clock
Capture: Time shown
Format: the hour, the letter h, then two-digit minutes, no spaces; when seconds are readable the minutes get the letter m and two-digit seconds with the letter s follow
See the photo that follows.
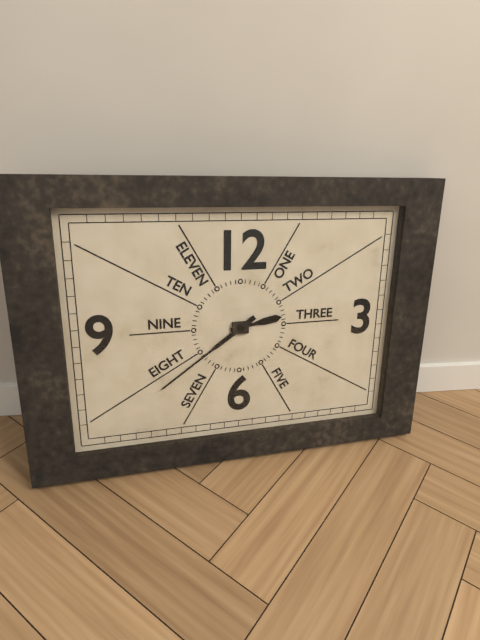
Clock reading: 2h39
